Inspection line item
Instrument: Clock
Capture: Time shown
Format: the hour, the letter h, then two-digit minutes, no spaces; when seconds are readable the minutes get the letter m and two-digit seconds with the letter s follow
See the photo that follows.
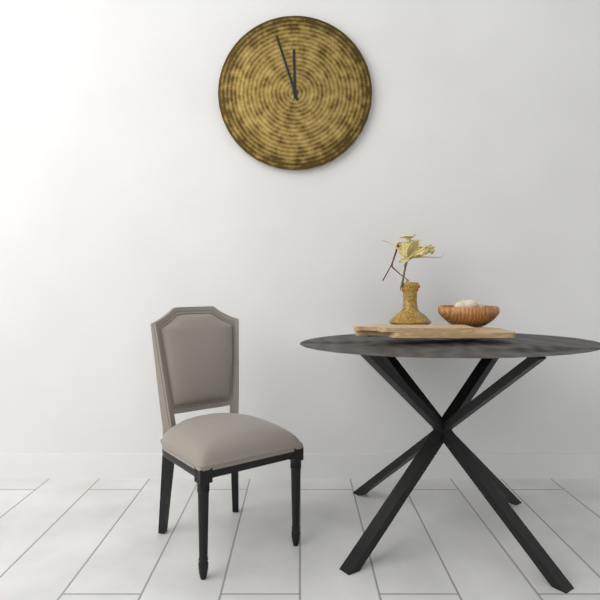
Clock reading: 11h57
